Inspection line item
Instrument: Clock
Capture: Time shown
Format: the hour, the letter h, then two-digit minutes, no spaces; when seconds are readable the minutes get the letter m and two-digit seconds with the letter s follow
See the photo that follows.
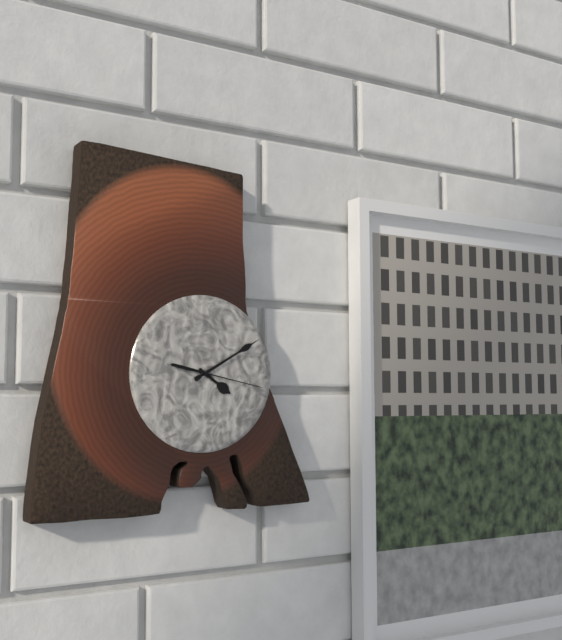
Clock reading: 4h10m17s
